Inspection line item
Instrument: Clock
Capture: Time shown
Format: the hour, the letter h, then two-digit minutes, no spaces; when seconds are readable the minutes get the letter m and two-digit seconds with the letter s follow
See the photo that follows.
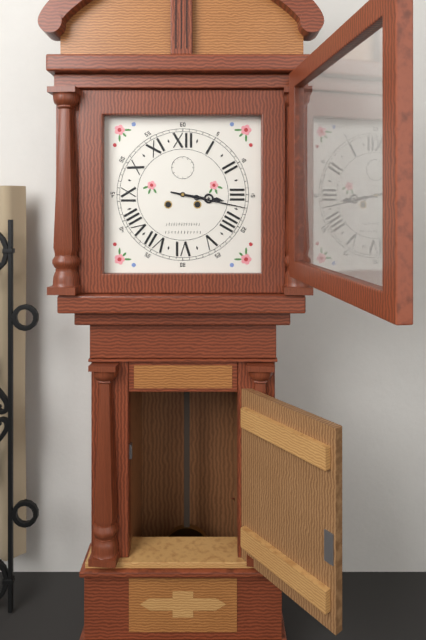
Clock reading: 3h17
